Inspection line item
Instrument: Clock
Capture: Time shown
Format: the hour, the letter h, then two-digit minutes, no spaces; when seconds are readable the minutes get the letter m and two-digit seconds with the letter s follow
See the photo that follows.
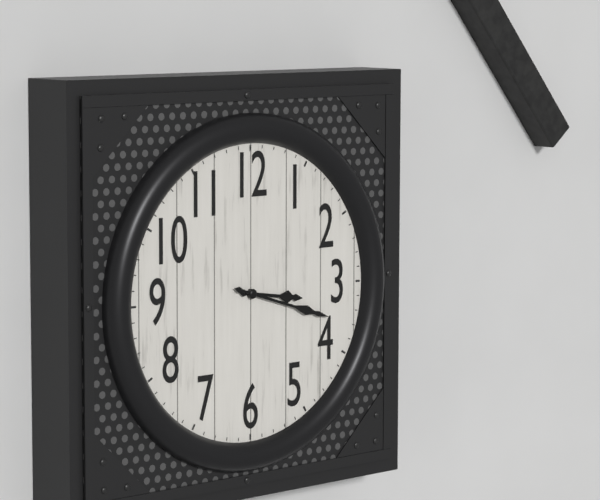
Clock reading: 3h18
